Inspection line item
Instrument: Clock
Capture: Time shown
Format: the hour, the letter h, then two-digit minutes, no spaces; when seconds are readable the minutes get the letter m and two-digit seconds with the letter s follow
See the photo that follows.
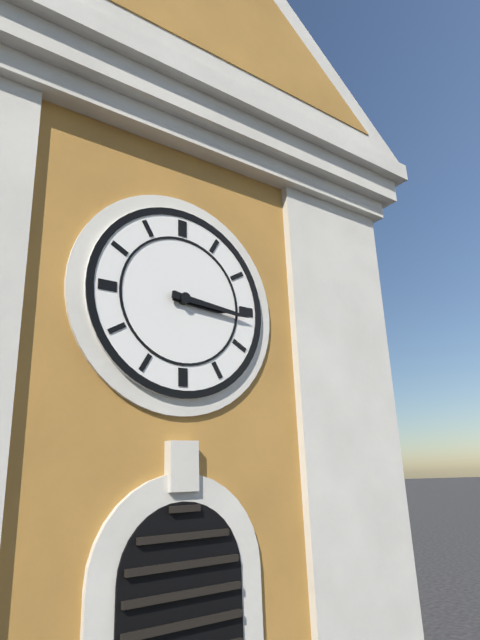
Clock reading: 3h16
